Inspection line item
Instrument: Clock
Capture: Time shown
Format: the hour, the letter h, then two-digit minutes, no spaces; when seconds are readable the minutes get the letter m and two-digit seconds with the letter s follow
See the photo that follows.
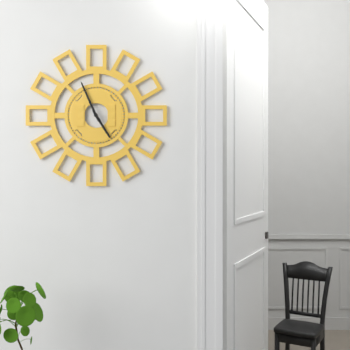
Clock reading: 4h56
